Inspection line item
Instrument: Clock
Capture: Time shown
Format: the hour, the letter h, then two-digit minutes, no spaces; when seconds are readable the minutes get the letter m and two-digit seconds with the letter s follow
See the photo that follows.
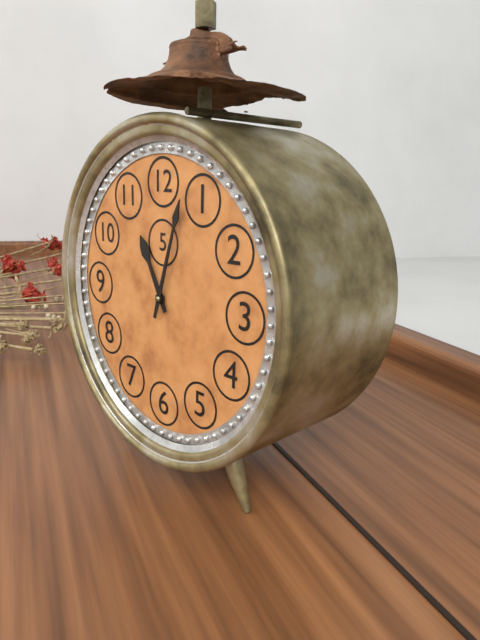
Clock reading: 11h03
